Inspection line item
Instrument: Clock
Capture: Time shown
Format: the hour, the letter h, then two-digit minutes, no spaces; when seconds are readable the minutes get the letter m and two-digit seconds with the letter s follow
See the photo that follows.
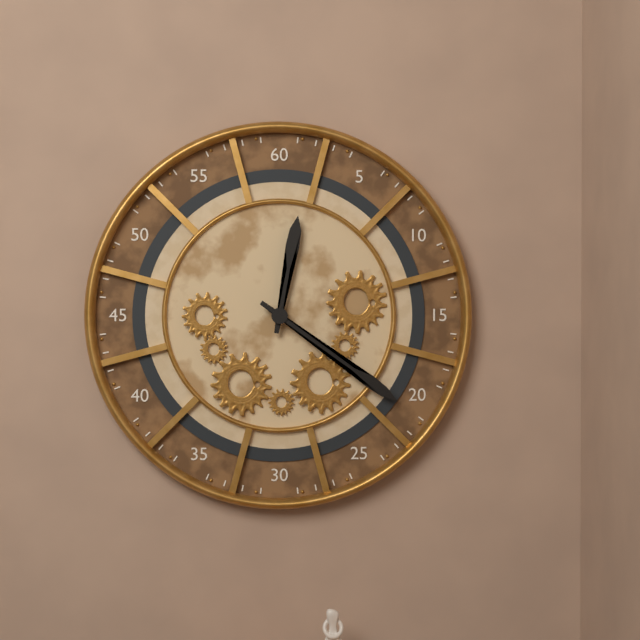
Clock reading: 12h21
